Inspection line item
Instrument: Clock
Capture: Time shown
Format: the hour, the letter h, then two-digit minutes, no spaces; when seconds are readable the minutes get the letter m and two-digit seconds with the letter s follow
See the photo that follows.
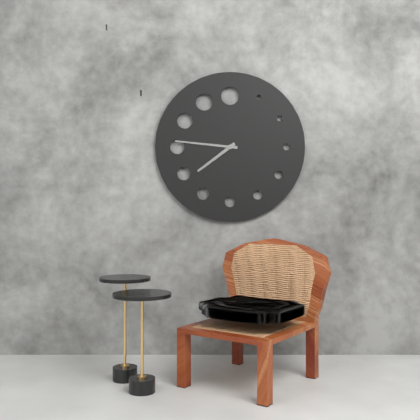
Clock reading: 7h46
